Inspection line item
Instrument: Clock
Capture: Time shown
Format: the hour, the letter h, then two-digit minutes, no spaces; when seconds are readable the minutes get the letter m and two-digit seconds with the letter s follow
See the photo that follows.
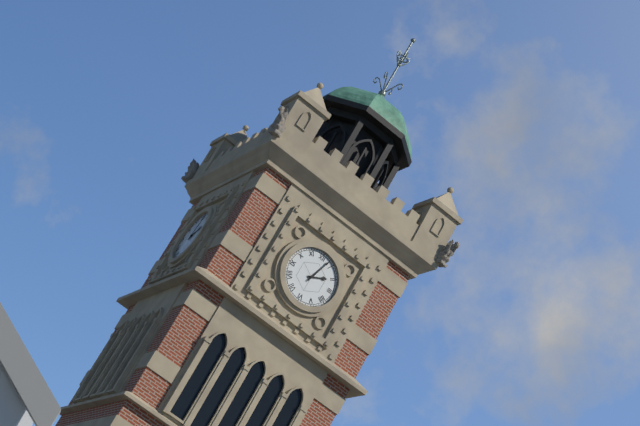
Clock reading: 2h03
